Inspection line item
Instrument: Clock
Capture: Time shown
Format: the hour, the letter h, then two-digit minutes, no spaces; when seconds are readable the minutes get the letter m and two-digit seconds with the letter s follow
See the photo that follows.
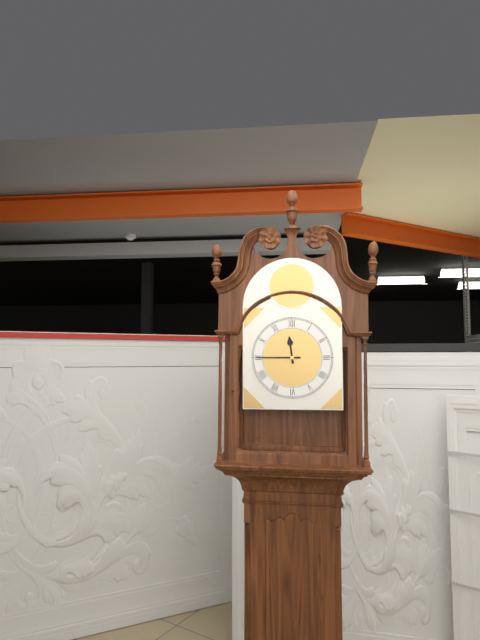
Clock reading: 11h45
